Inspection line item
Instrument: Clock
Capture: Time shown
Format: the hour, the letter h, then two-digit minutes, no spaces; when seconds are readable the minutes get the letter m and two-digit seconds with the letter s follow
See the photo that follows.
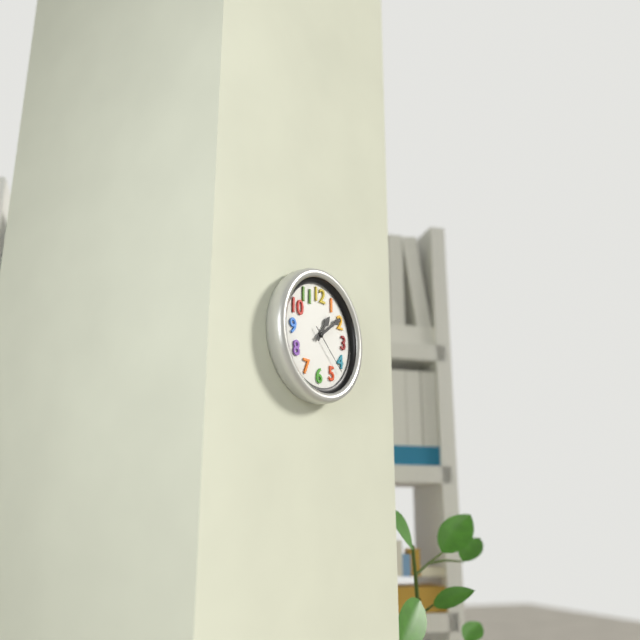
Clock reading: 1h09m22s
